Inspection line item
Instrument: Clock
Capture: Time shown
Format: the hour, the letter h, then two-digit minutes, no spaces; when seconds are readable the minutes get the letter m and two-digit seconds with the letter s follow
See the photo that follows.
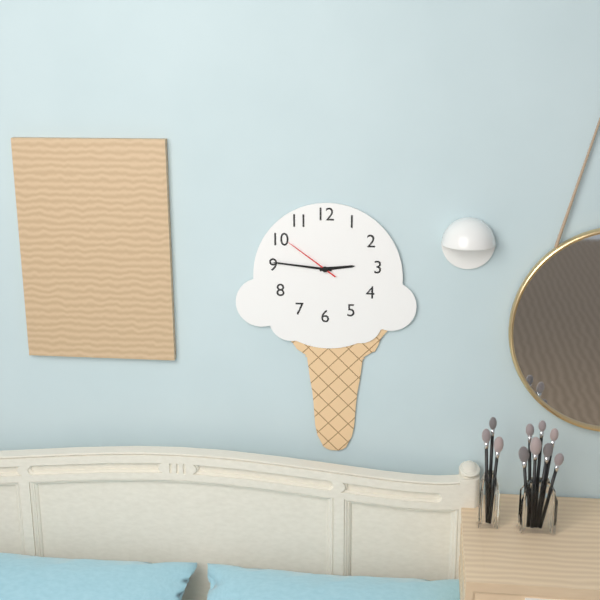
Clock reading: 2h46m51s
